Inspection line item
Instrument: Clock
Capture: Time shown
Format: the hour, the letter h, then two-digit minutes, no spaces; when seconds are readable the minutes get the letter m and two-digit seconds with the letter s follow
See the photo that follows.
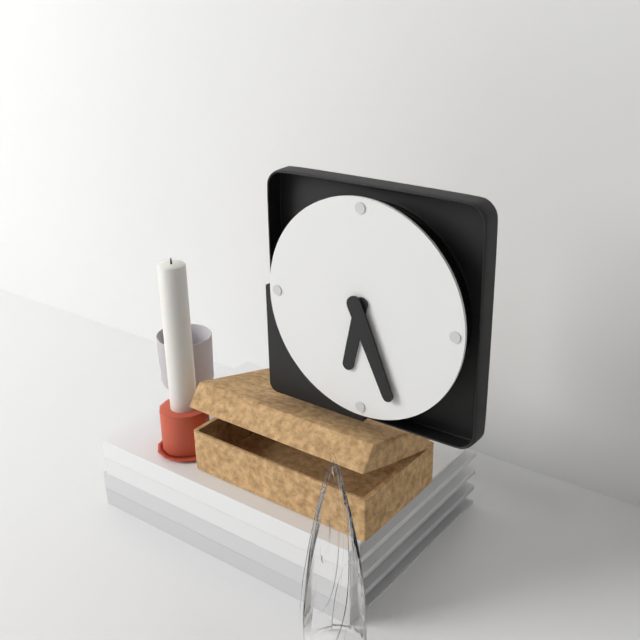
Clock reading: 6h26
